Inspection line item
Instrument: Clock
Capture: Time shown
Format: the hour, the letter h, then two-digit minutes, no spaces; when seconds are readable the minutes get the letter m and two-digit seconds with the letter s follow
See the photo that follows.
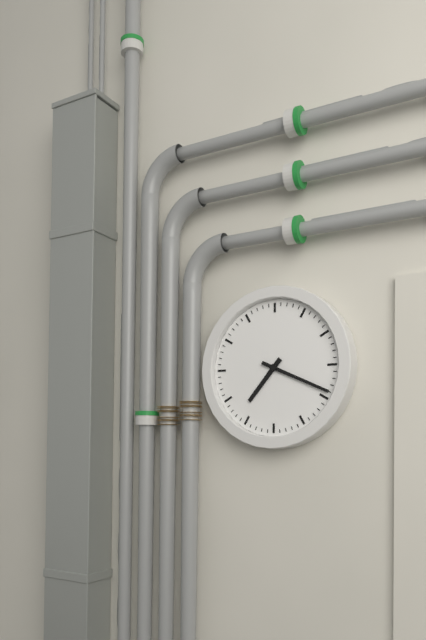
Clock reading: 7h19
